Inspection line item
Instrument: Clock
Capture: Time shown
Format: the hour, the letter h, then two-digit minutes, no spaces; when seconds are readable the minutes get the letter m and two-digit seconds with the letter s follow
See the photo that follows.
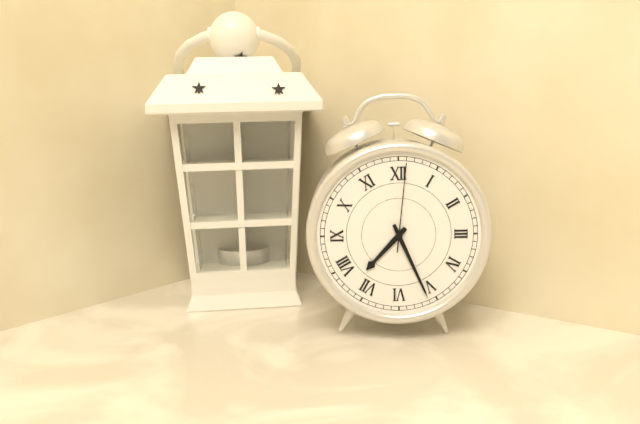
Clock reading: 7h26m01s
